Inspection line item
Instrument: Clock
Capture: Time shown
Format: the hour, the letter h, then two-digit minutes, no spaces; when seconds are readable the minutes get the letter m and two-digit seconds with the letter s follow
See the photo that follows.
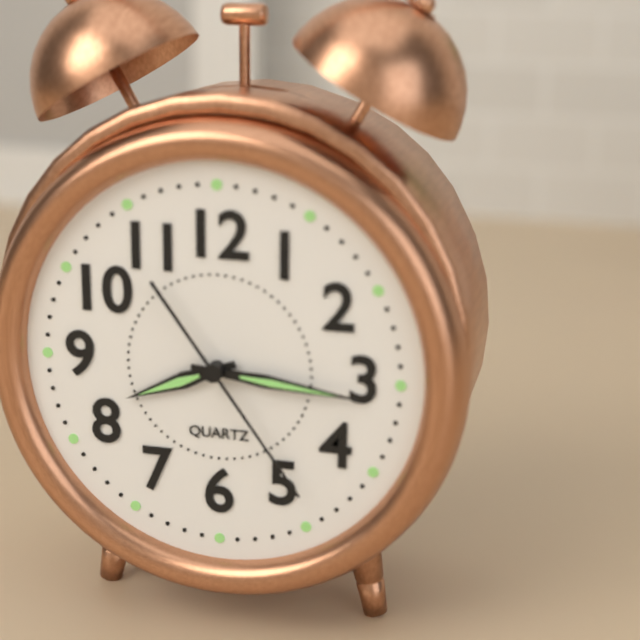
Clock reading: 8h16m24s
